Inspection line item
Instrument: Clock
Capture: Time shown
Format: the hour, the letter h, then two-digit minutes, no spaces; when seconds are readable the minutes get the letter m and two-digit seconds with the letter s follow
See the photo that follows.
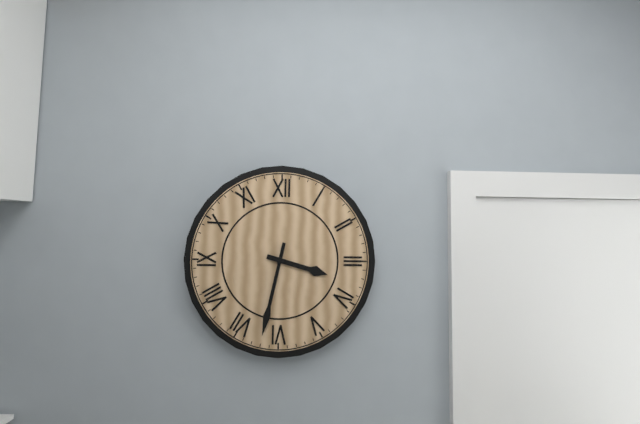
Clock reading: 3h32
